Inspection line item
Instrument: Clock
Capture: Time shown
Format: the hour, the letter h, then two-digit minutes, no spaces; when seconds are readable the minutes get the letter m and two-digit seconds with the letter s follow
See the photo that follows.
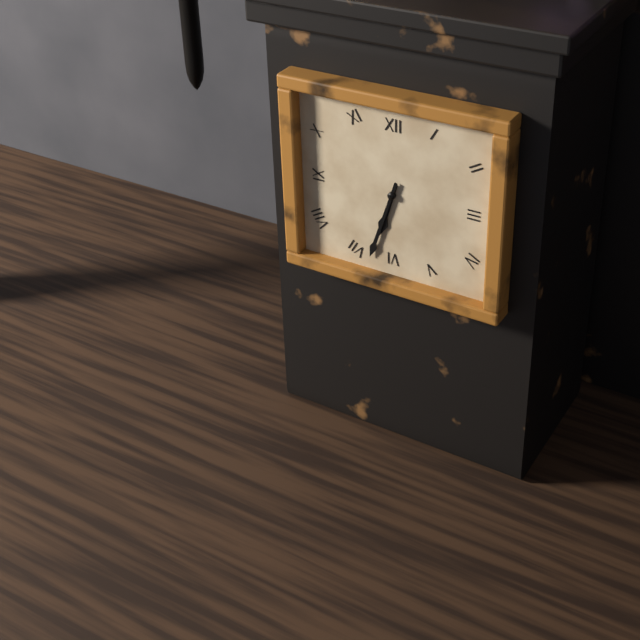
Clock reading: 6h33
